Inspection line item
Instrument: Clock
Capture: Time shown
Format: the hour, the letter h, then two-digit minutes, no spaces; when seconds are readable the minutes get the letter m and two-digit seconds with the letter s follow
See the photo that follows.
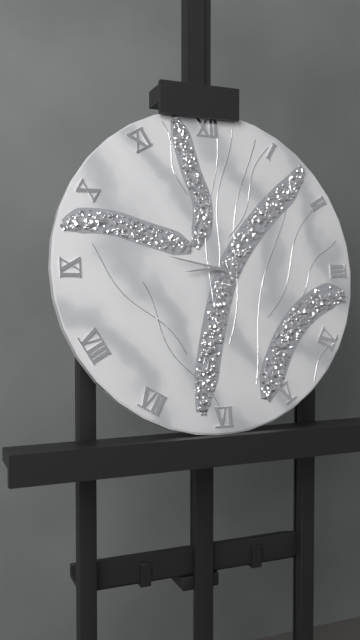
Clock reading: 8h47
